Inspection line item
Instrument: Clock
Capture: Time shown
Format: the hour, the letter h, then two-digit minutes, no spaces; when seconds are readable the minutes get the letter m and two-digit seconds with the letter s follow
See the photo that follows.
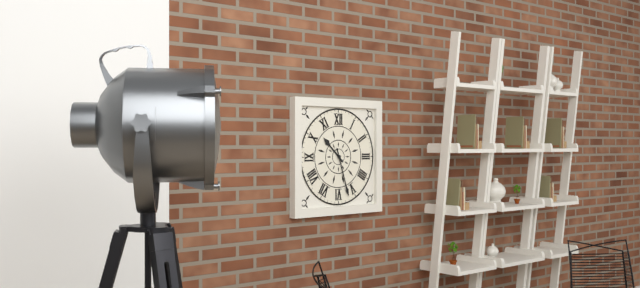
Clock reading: 10h27
